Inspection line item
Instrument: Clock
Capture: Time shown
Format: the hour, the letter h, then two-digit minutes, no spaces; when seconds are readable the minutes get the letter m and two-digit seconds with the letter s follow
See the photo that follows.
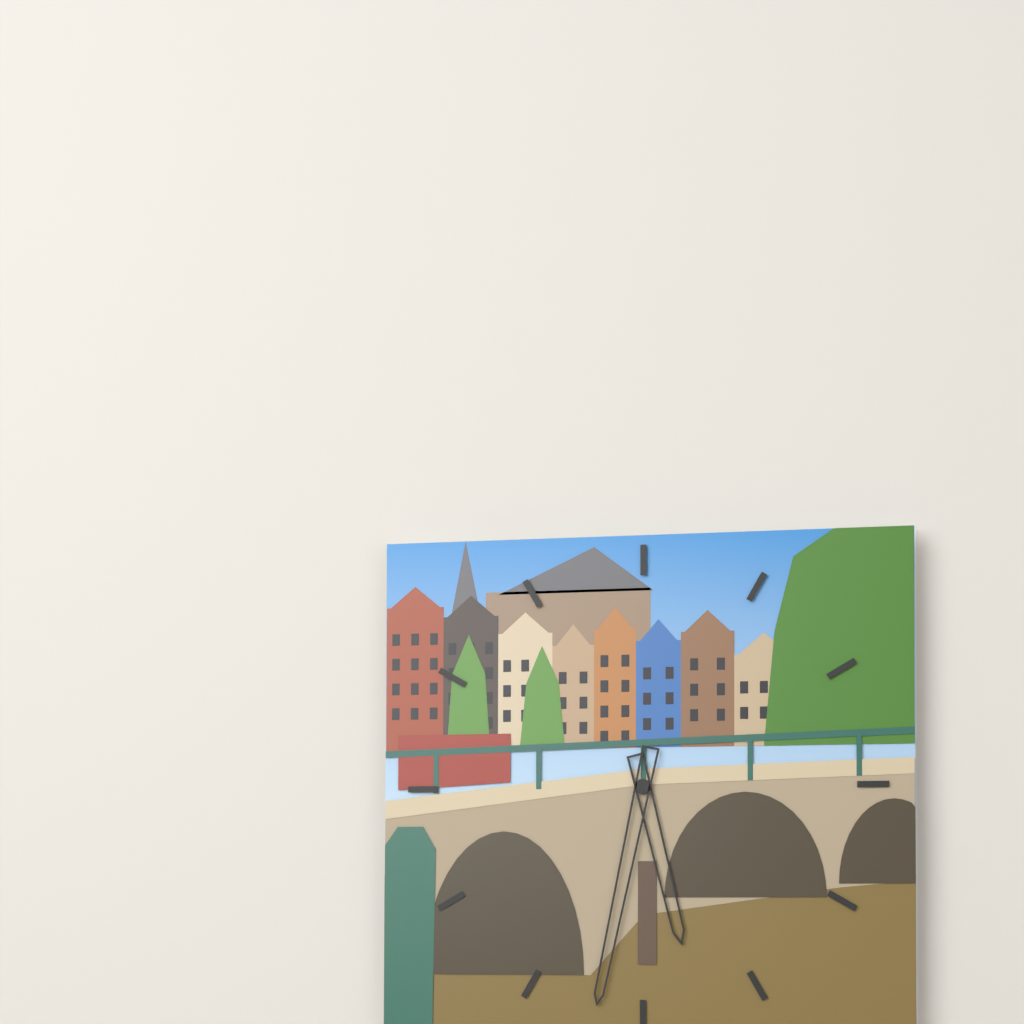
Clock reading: 5h32
